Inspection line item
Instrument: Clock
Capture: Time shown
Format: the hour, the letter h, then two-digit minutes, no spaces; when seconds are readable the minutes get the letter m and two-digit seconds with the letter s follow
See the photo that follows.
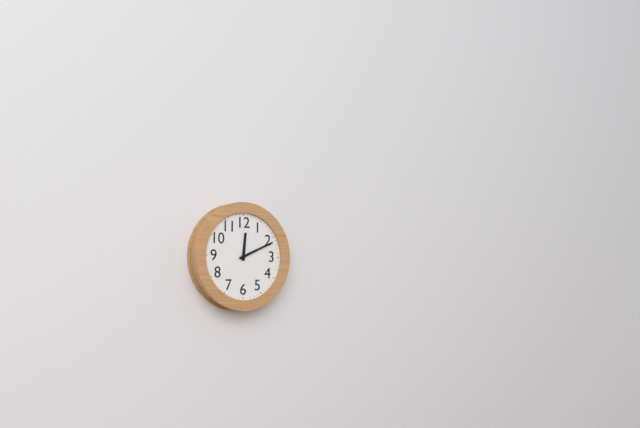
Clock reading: 12h11
